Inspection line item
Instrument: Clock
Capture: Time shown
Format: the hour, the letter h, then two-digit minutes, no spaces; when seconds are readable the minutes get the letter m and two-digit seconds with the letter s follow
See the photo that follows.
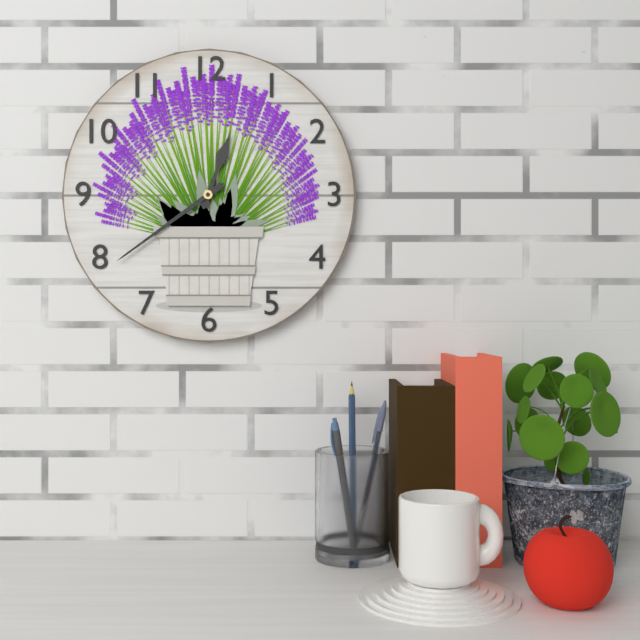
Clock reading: 12h39
